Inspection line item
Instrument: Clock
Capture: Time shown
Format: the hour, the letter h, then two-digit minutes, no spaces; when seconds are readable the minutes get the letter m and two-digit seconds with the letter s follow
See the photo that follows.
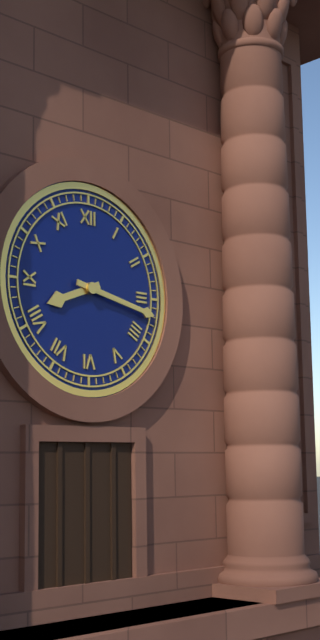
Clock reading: 8h17
